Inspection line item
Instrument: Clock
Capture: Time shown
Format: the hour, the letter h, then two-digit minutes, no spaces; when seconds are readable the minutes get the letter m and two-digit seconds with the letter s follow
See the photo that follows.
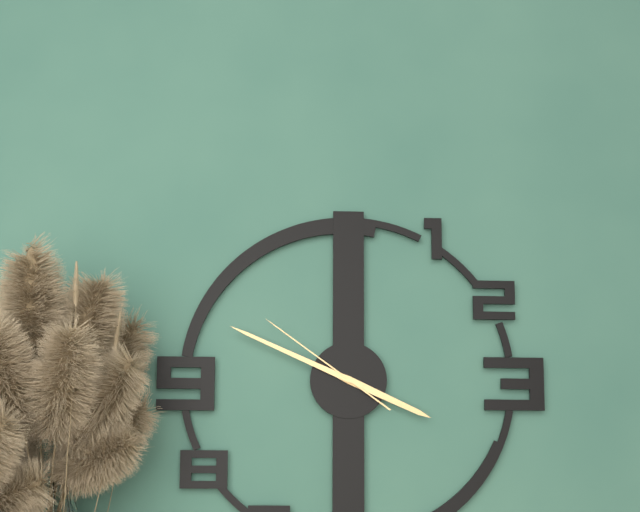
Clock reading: 3h49m51s
